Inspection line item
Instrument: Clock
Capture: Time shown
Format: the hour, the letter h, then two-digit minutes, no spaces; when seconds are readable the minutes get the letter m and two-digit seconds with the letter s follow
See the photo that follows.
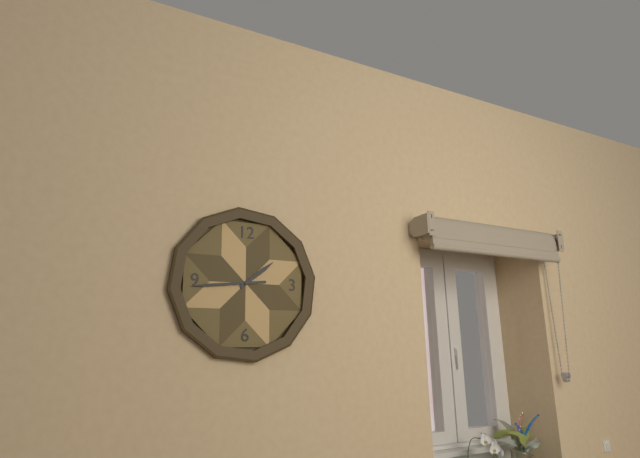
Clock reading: 1h44
